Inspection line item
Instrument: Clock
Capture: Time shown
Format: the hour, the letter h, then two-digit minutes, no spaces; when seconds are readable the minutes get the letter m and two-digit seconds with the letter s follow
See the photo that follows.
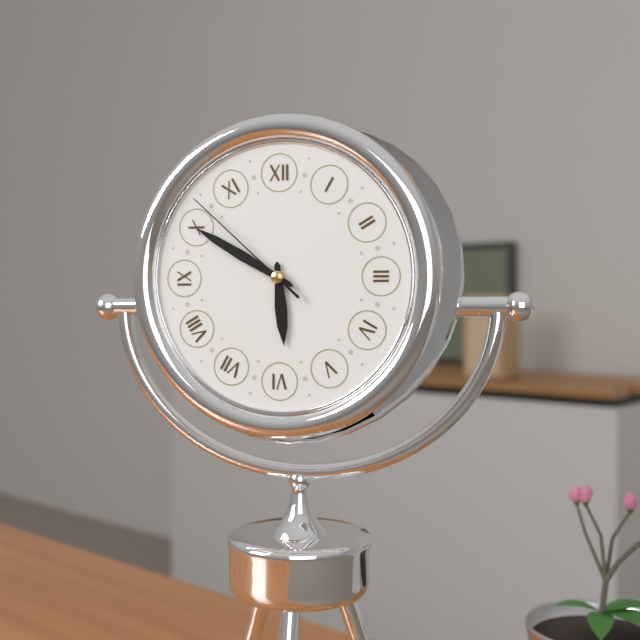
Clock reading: 5h50m52s
